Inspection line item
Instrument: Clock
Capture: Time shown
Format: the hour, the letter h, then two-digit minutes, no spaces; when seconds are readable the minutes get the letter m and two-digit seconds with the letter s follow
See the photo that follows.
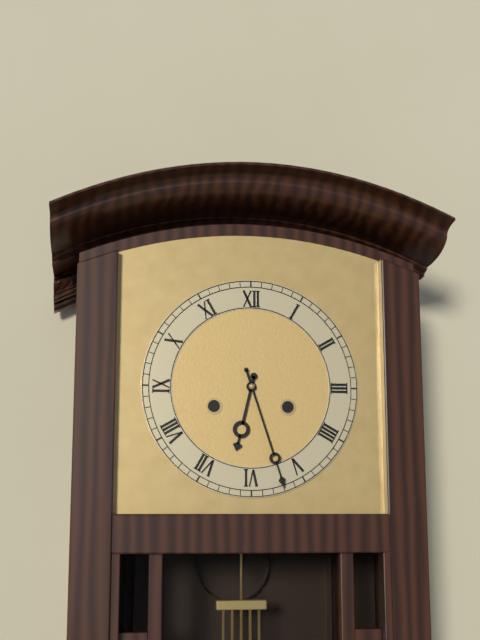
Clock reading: 6h27
